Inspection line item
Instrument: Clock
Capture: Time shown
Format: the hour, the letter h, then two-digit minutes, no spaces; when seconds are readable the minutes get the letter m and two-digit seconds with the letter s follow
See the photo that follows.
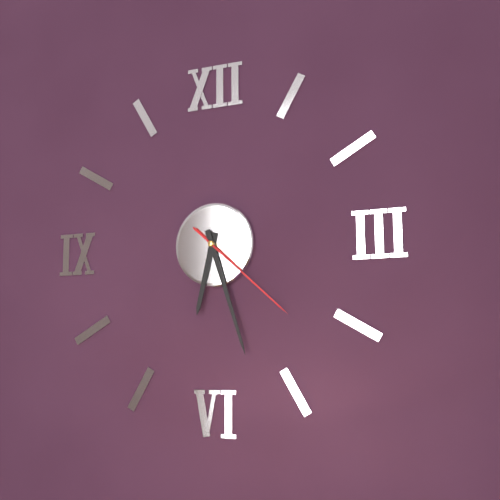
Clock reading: 6h27m22s
